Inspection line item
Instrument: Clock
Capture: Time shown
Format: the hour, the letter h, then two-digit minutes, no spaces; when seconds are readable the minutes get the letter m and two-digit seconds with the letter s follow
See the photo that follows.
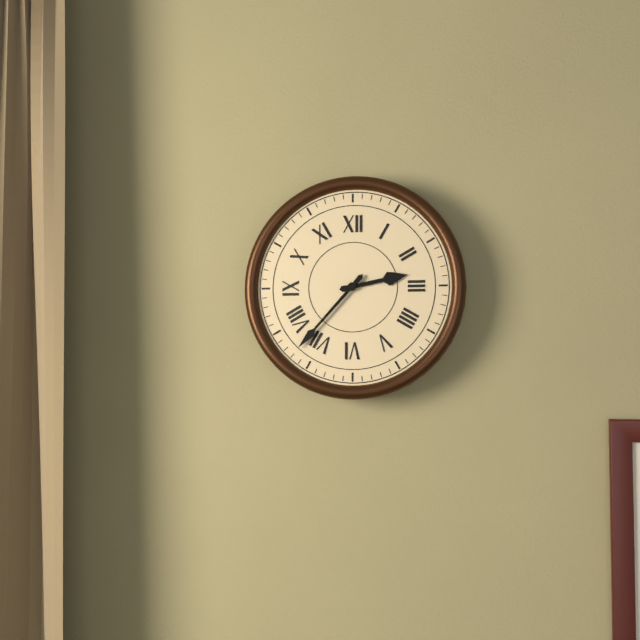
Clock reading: 2h37
